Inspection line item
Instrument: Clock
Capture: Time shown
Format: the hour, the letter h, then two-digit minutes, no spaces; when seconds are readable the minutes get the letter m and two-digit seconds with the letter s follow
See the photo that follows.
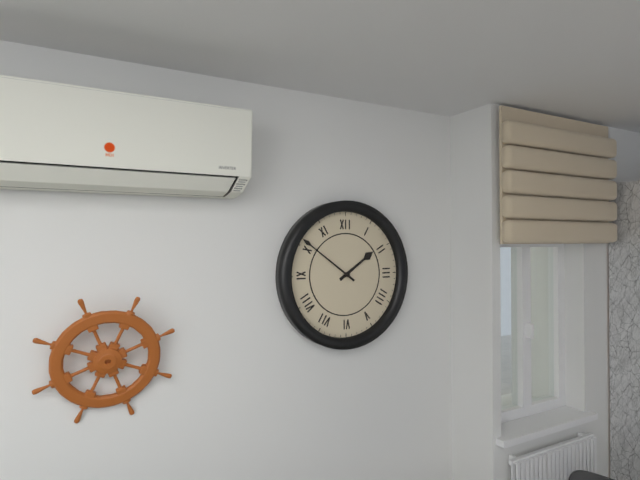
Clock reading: 1h51
